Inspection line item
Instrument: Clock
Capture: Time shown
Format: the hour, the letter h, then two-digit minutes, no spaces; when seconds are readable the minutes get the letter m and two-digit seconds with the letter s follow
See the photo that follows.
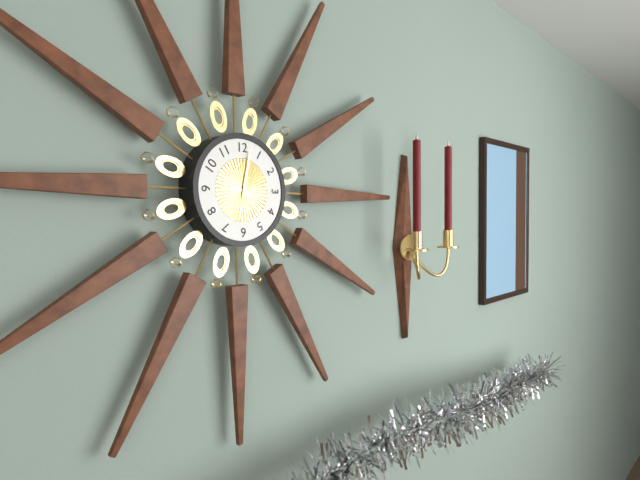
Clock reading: 9h02
